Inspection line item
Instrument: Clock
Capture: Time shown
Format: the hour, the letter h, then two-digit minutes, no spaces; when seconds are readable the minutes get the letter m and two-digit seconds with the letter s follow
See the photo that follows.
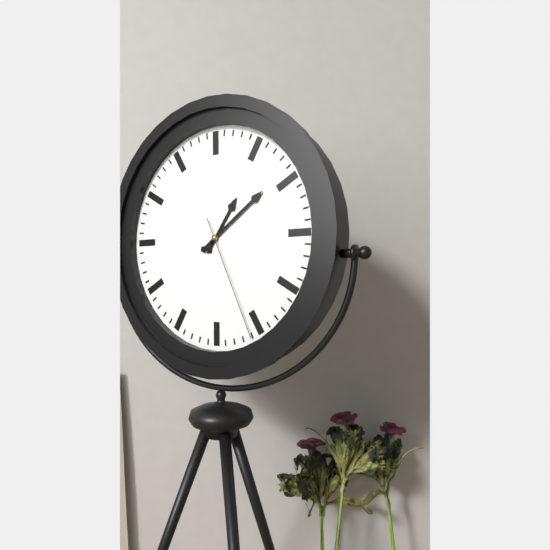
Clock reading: 1h09m26s
